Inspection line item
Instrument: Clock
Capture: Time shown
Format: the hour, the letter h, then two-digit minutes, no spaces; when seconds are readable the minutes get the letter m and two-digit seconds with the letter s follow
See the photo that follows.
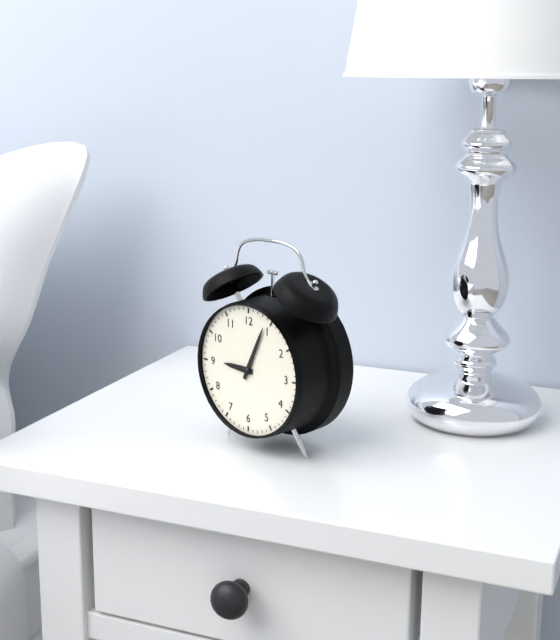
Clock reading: 9h04
